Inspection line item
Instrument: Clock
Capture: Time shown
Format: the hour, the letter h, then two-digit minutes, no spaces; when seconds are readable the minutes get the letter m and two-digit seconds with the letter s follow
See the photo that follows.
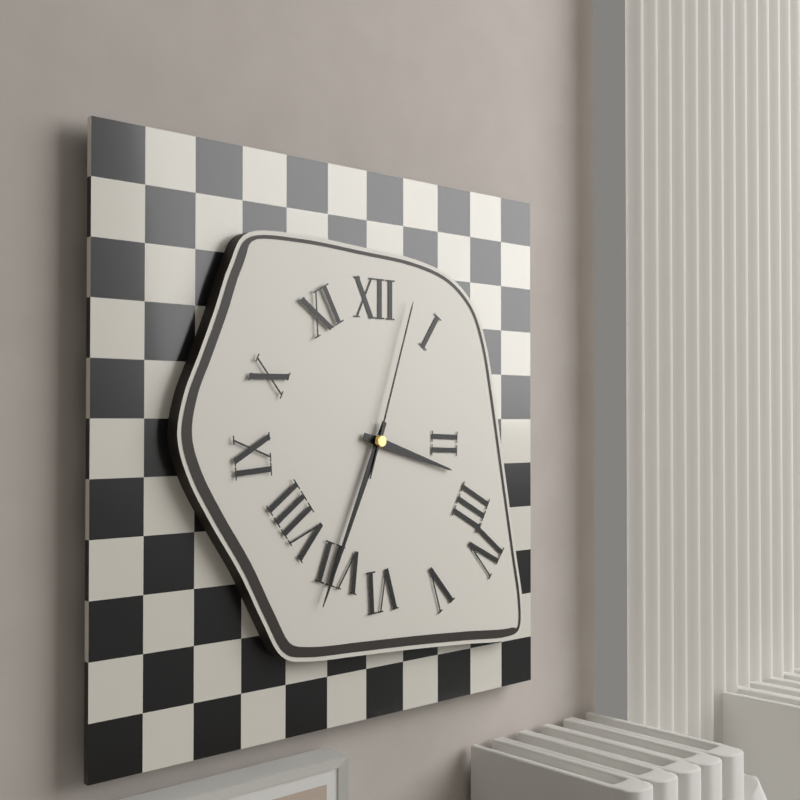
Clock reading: 3h34m03s
